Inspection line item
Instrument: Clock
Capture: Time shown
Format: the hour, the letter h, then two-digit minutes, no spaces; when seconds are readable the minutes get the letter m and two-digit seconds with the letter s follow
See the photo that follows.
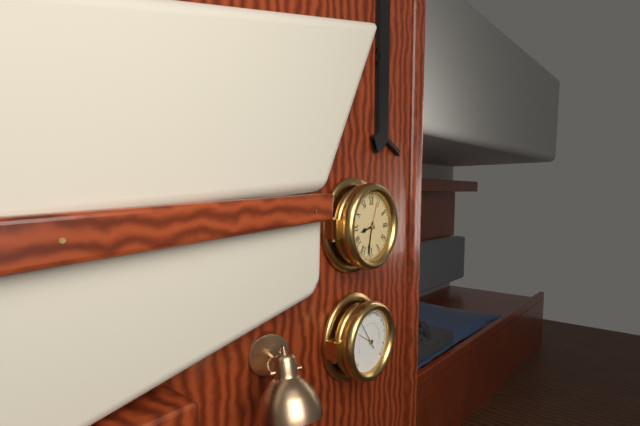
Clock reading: 8h32
